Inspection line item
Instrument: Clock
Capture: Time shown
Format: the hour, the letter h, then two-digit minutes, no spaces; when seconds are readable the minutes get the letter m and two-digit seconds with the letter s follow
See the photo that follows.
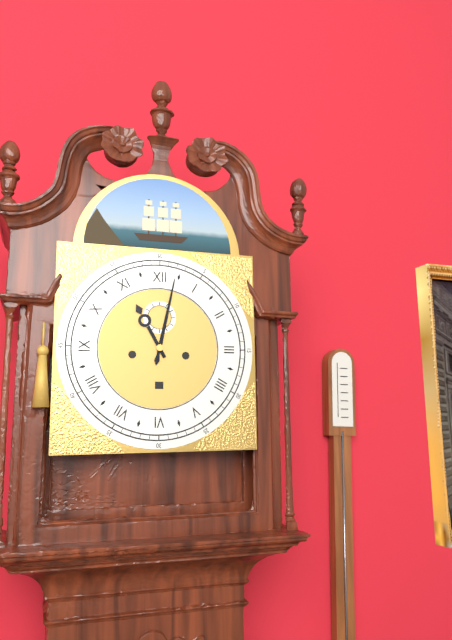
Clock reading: 11h02
